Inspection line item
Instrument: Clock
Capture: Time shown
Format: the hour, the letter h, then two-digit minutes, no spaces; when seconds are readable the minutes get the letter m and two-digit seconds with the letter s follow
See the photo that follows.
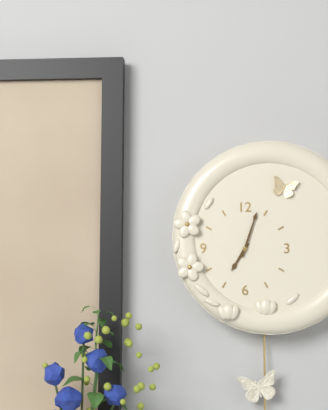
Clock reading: 7h03
